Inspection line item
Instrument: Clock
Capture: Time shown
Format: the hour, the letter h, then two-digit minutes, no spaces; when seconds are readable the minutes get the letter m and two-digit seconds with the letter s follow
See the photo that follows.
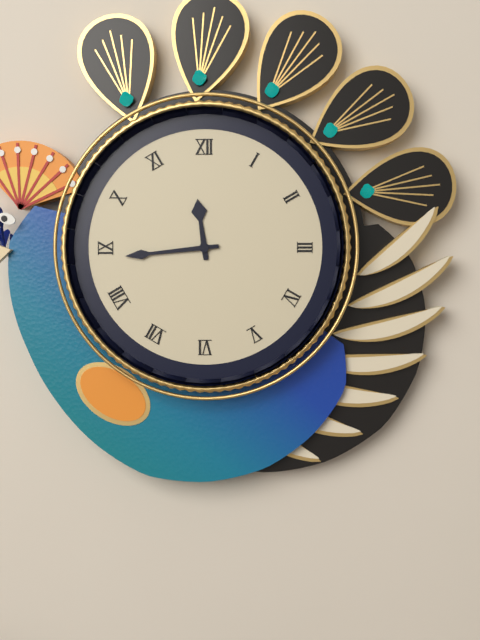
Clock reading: 11h44
